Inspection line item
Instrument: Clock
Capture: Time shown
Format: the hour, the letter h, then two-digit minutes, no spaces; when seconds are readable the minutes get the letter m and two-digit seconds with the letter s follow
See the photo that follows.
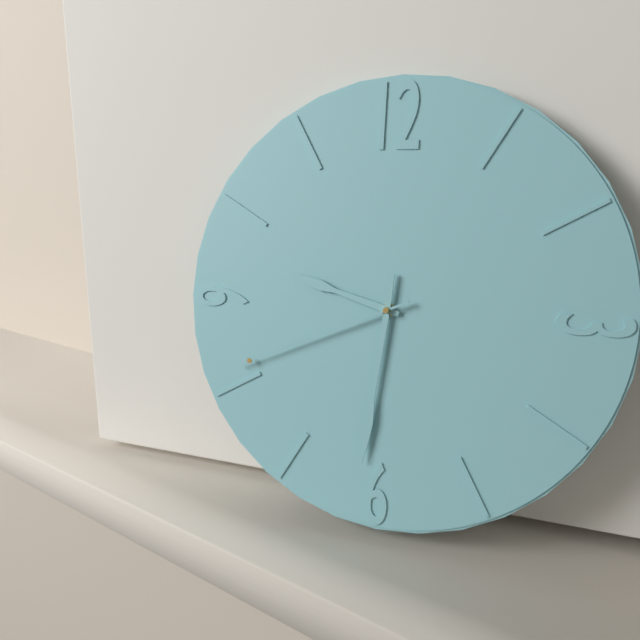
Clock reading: 9h31m41s
